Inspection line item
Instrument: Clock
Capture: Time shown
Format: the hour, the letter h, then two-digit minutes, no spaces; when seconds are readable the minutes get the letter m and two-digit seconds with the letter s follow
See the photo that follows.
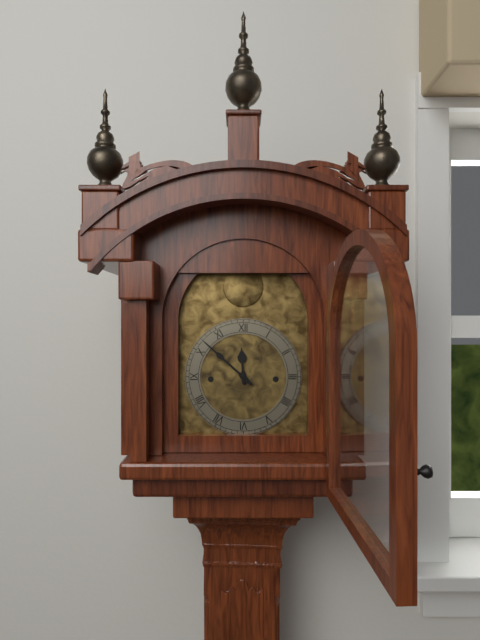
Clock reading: 11h52
